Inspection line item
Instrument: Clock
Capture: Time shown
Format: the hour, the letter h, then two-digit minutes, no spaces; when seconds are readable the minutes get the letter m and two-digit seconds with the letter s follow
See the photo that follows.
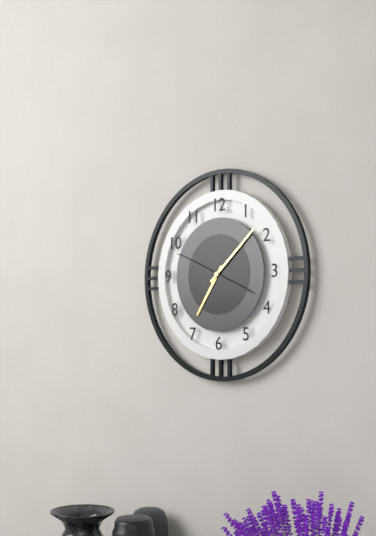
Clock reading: 7h08m49s
